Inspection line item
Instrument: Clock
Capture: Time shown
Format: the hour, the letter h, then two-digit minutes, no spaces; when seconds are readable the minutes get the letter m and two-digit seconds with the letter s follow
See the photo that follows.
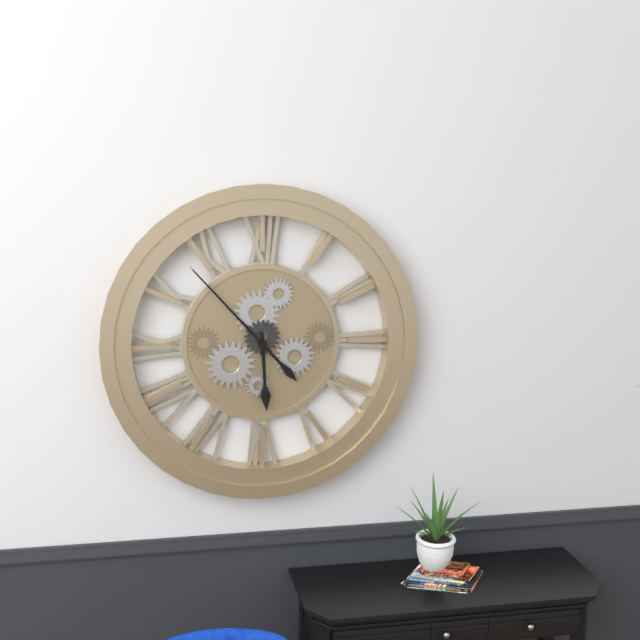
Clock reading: 5h53
